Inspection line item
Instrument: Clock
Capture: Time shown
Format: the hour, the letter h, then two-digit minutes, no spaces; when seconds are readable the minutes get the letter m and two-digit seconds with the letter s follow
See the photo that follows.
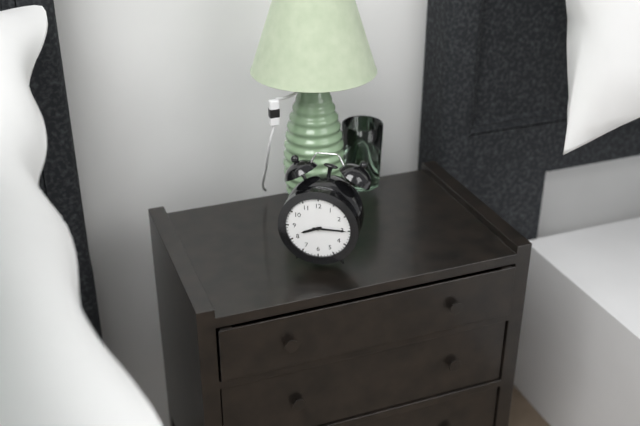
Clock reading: 8h15
